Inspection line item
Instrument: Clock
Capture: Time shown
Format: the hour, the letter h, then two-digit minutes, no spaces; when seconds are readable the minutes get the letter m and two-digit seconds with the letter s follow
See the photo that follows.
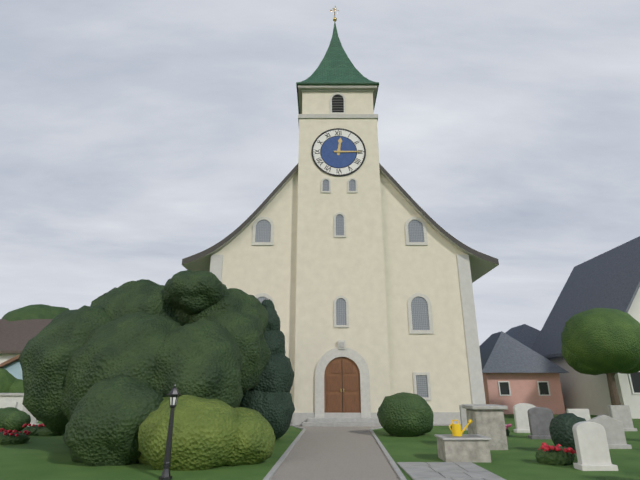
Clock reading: 12h15
